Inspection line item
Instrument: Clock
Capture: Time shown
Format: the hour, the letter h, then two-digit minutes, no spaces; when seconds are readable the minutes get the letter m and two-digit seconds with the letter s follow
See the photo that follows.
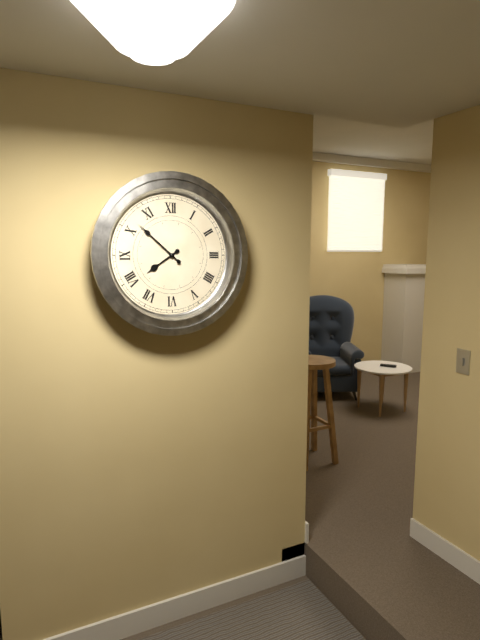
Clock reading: 7h52
